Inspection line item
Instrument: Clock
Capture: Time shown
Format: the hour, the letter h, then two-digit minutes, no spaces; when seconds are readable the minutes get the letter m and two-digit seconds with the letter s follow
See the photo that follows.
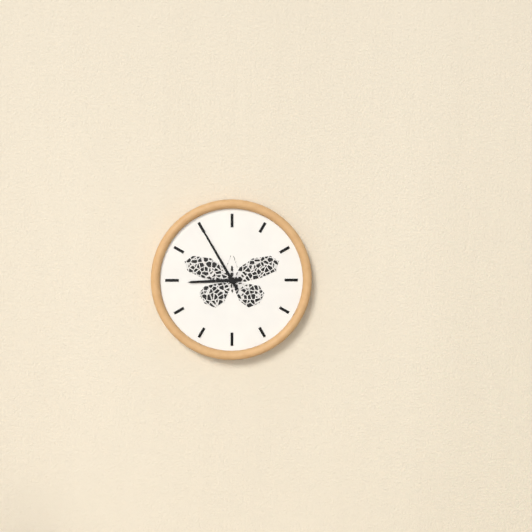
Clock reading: 8h55
